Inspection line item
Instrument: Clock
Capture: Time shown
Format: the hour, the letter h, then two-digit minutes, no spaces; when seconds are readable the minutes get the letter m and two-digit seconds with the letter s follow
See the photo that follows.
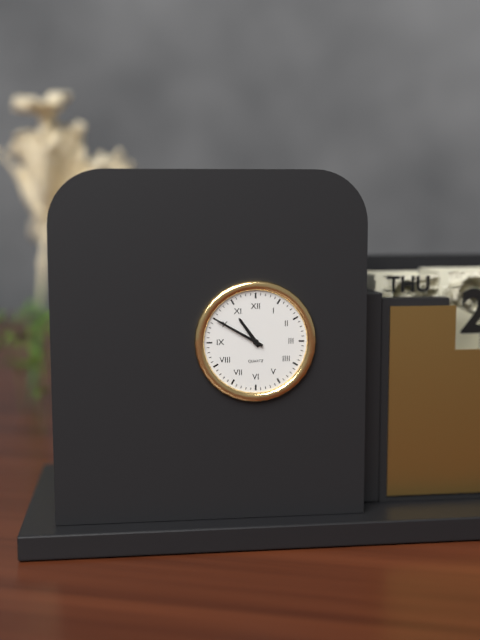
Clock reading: 10h50
